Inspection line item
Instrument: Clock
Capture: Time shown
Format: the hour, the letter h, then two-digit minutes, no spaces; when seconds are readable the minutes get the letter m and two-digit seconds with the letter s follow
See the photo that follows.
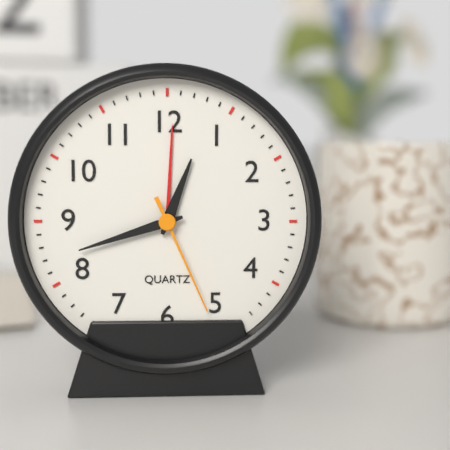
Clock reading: 12h42m26s
